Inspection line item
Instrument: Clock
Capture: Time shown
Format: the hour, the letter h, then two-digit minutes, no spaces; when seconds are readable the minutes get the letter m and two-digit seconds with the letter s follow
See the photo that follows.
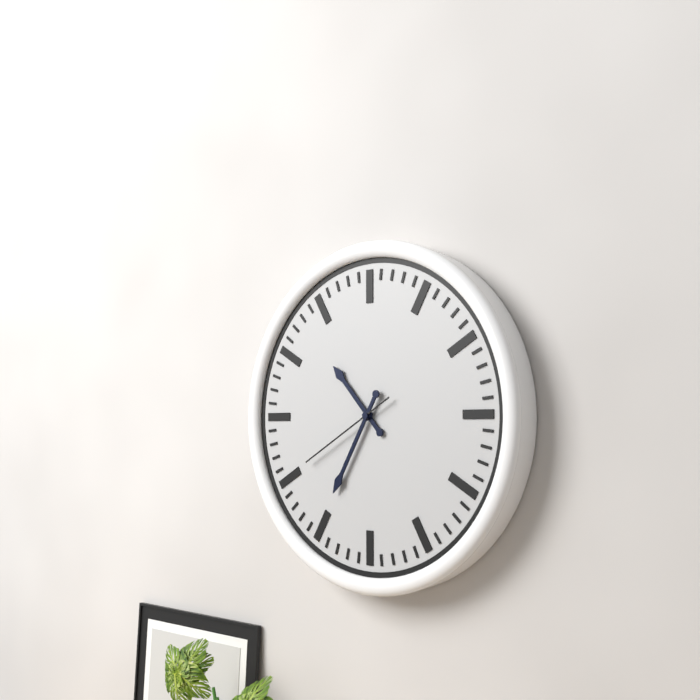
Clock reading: 10h35m40s
